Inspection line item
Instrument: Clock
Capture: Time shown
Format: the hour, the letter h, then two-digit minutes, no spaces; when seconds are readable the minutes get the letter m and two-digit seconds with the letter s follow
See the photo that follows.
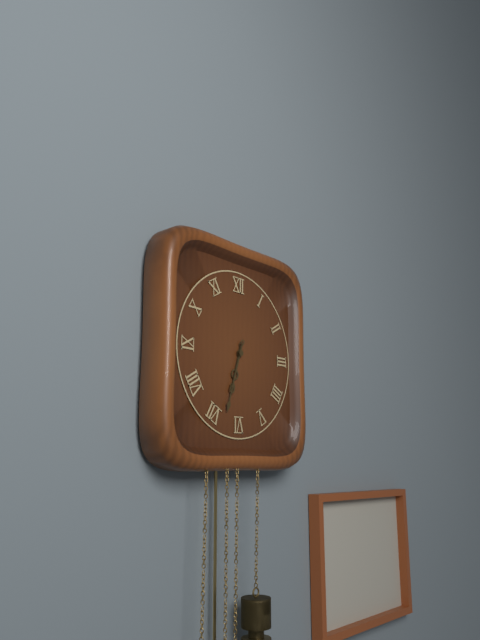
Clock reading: 6h33
